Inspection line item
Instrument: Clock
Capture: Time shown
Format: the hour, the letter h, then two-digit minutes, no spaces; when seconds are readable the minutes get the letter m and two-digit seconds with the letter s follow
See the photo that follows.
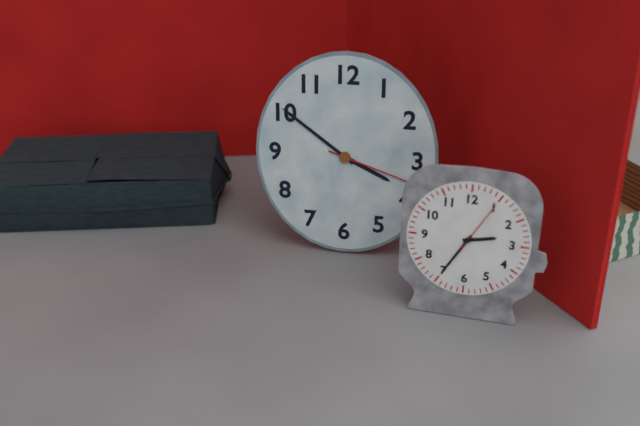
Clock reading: 3h51m18s
